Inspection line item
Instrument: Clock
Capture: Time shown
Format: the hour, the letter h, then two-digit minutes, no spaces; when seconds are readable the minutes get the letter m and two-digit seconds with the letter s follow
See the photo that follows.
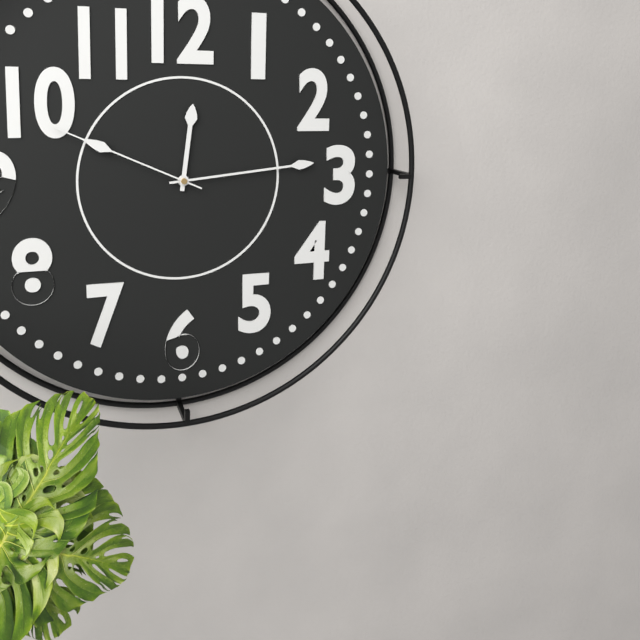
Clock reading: 12h14m49s
